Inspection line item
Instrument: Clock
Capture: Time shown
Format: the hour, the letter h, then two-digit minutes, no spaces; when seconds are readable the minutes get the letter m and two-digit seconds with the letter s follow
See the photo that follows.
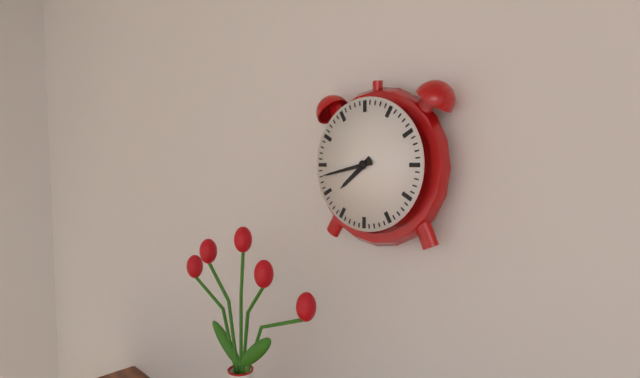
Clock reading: 7h43
